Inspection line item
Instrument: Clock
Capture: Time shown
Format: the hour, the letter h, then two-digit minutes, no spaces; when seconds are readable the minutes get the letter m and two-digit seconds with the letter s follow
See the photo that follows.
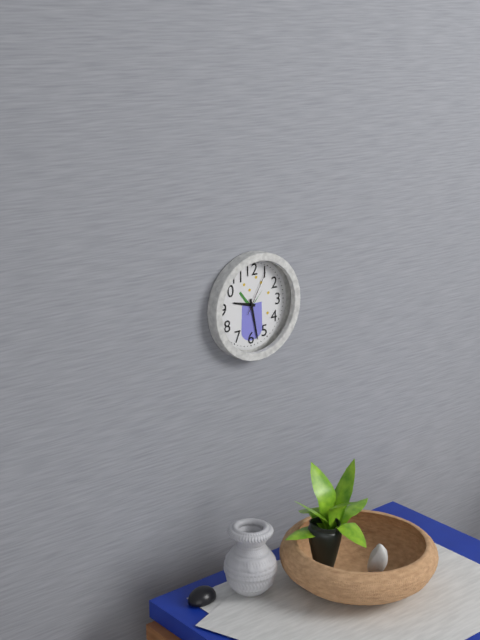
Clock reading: 9h28
